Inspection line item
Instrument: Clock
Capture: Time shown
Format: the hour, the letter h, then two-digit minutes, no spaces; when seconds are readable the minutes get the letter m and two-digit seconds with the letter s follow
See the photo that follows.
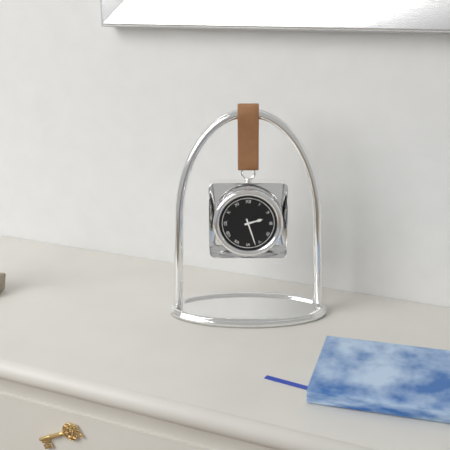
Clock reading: 2h27
